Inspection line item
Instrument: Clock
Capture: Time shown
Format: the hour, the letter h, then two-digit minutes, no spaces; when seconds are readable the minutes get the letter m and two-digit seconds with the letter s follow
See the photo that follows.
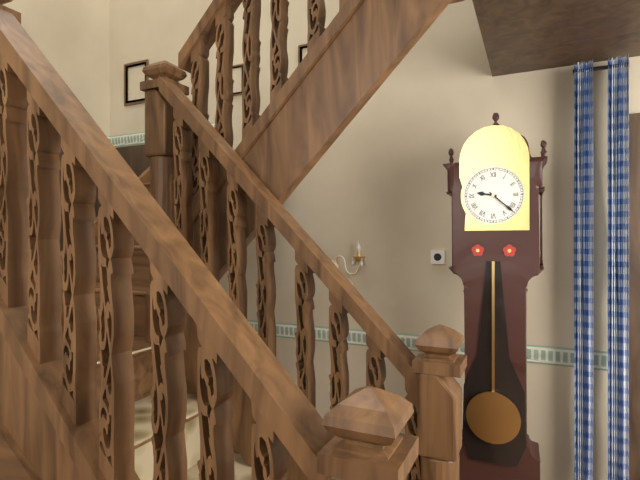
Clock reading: 9h22
